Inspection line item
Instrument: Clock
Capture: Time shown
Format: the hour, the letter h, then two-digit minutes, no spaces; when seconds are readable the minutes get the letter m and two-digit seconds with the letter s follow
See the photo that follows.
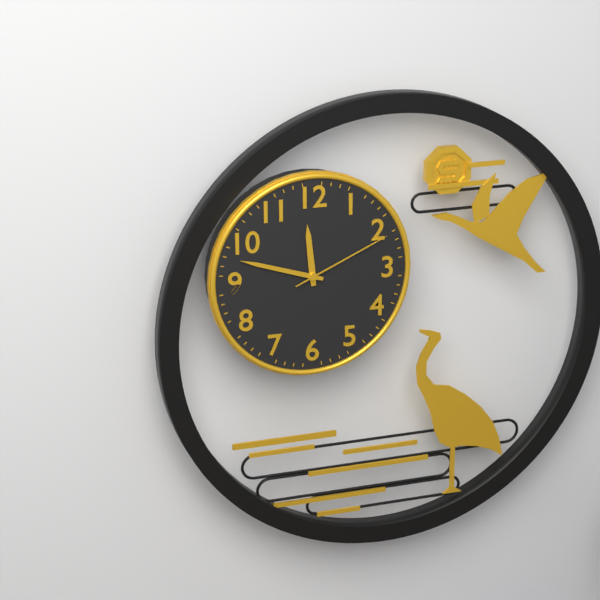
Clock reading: 11h48m11s
